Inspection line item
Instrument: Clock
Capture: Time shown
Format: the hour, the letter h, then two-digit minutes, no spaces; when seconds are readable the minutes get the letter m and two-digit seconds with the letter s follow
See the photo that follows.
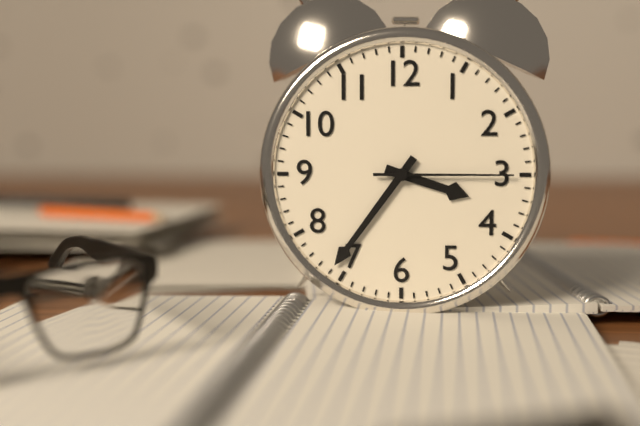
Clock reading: 3h36m15s
